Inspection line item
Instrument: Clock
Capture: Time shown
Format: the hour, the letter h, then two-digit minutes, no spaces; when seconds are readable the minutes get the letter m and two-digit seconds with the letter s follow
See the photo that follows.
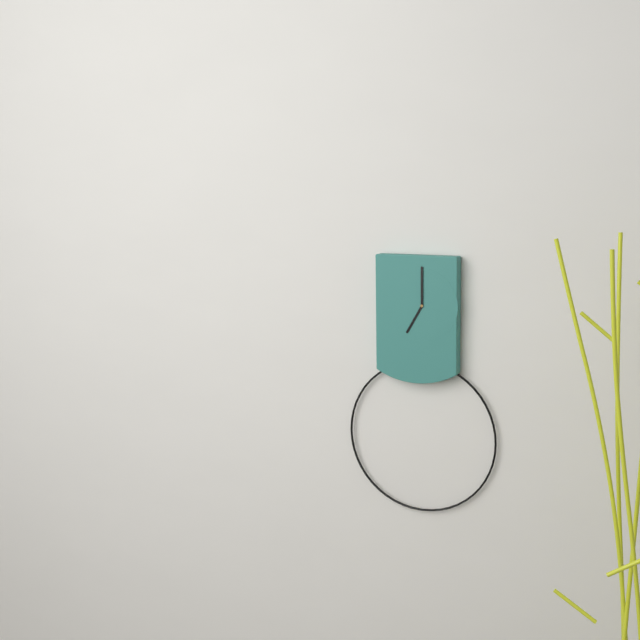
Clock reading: 7h00
